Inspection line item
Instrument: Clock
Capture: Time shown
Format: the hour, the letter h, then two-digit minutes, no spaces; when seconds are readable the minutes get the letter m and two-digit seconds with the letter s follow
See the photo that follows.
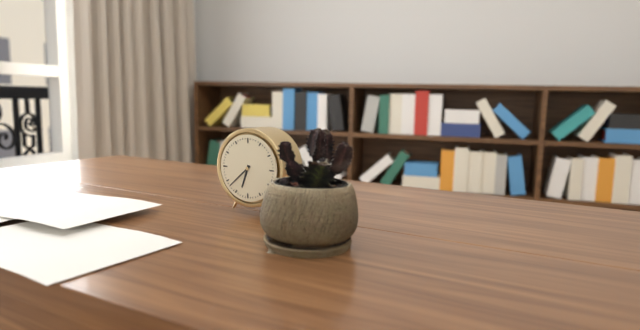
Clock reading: 6h38
